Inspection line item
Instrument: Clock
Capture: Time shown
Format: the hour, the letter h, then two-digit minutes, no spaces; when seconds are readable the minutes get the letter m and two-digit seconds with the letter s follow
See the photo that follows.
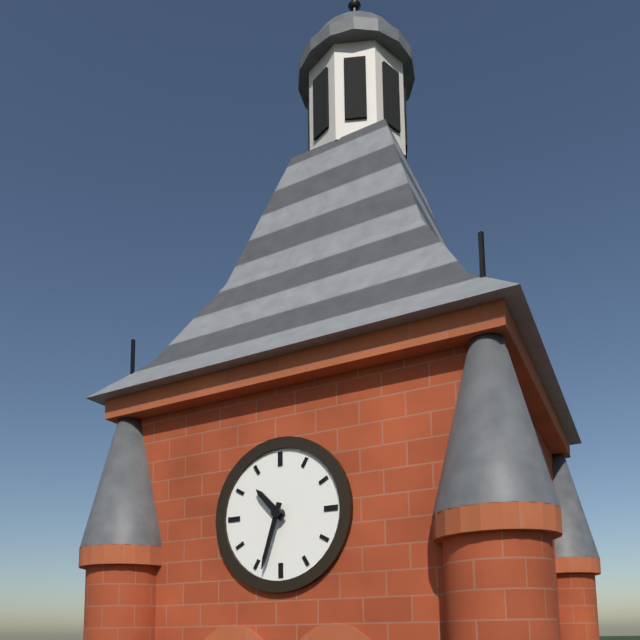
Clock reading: 10h33
